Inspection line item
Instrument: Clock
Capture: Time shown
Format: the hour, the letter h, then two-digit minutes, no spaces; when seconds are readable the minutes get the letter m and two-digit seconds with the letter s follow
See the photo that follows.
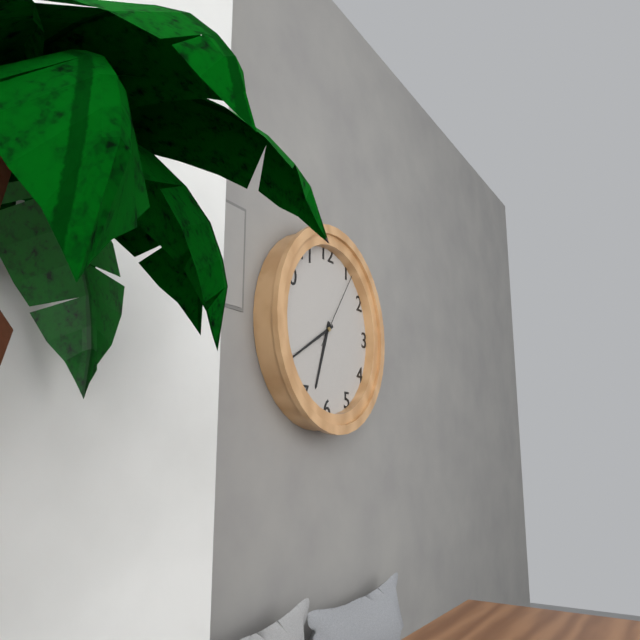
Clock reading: 6h40m06s
